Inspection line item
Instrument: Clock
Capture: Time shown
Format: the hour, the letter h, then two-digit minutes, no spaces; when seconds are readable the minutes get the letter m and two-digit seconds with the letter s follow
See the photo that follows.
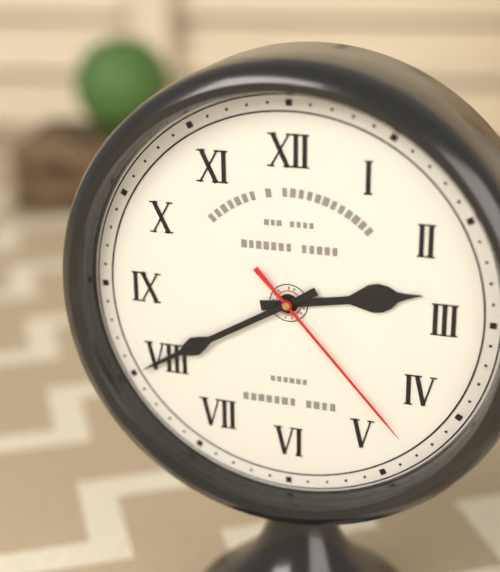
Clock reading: 2h40m23s
